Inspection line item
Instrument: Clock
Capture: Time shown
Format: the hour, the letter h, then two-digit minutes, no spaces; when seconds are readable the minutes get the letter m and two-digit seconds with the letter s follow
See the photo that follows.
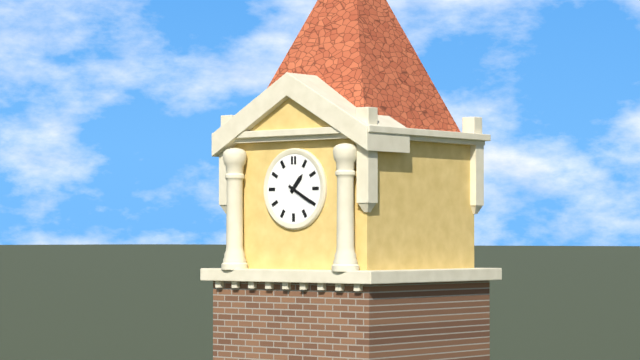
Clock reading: 1h20
